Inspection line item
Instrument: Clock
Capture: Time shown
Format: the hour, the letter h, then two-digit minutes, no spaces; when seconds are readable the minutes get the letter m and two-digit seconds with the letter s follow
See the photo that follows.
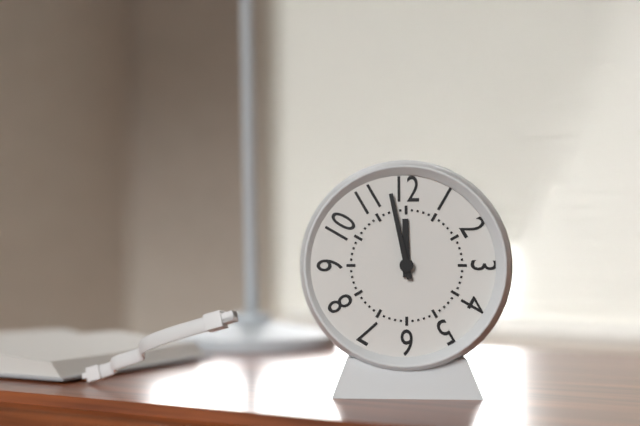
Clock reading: 11h58
